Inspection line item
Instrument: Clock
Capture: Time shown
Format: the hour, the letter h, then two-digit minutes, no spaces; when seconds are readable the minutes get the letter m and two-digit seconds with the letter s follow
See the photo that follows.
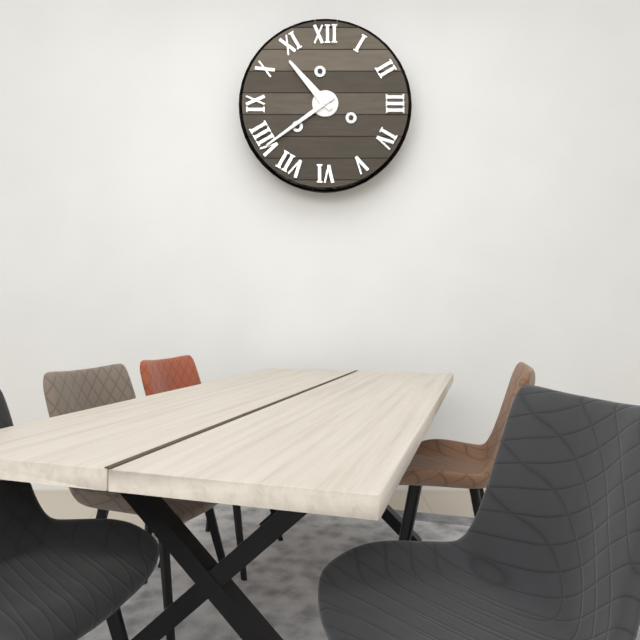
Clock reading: 10h39
